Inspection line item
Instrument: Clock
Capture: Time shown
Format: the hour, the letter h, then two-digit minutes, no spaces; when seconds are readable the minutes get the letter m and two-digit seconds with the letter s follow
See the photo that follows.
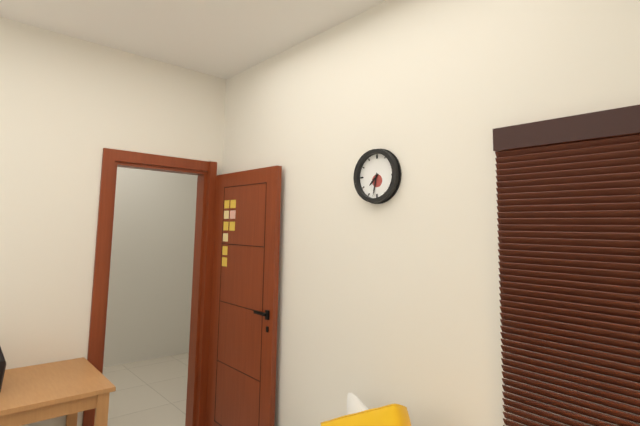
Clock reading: 7h32
